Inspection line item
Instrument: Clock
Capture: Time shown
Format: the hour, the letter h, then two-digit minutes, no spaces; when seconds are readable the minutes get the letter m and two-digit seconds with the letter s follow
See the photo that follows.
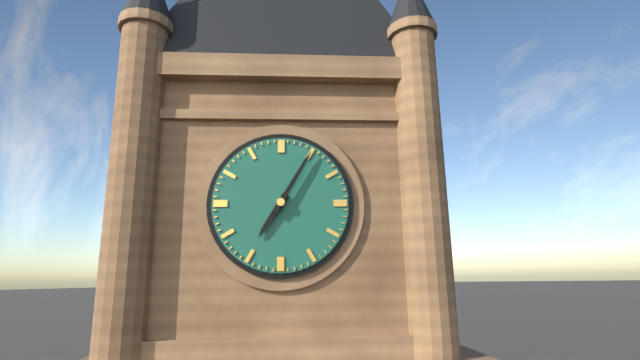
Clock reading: 7h05
